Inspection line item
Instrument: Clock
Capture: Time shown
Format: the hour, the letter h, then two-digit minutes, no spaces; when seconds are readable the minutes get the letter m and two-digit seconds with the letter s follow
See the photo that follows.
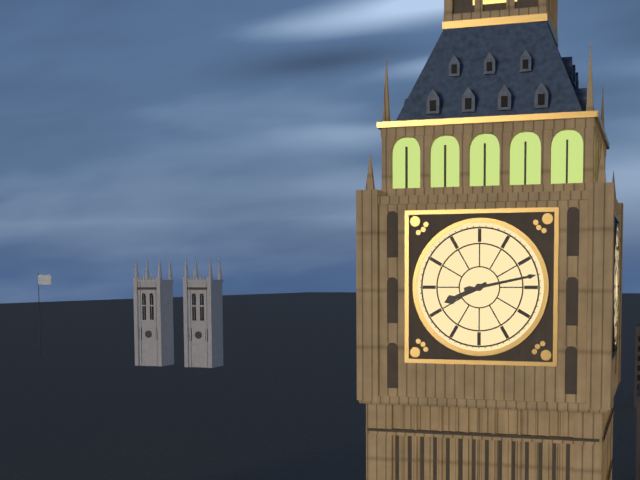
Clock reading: 8h13
